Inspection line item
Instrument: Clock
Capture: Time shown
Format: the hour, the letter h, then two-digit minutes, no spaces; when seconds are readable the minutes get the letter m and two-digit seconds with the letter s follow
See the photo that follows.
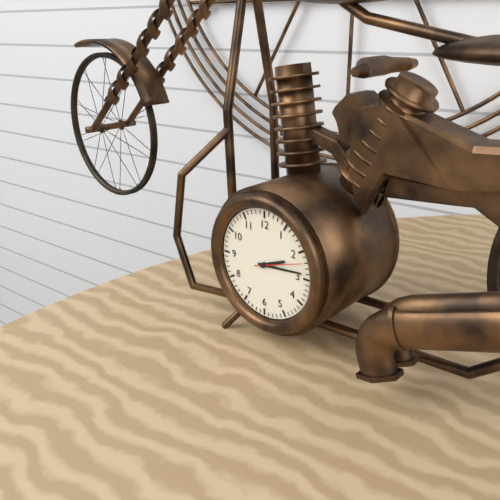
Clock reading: 2h14
